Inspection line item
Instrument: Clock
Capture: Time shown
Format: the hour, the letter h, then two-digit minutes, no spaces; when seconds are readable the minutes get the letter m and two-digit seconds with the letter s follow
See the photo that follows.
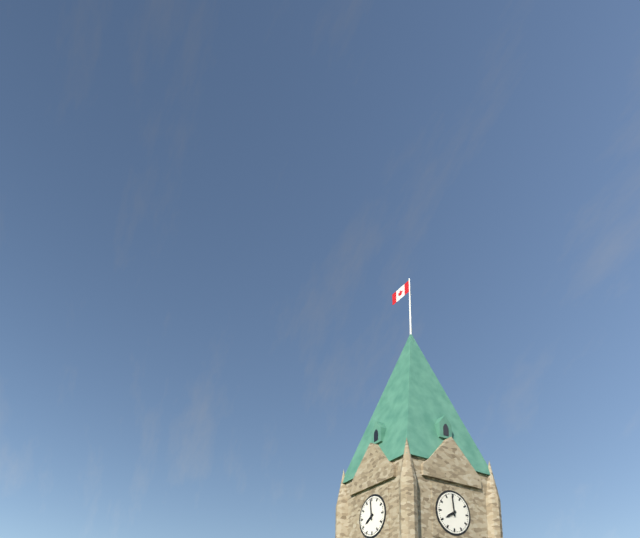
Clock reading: 7h59
